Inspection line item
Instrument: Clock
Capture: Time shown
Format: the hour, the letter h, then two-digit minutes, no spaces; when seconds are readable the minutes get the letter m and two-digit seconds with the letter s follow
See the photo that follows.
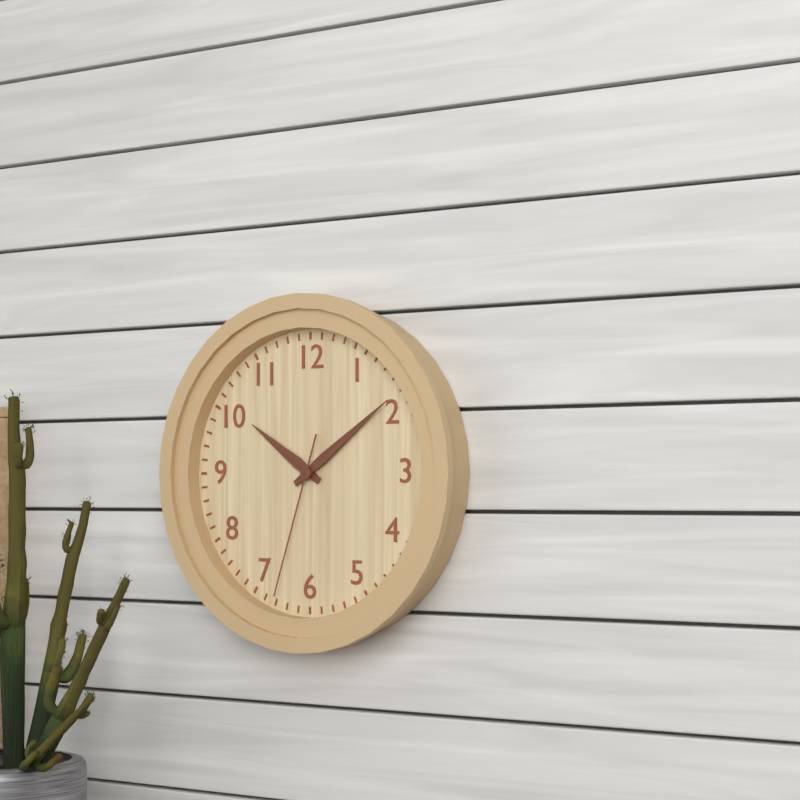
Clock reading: 10h09m33s
